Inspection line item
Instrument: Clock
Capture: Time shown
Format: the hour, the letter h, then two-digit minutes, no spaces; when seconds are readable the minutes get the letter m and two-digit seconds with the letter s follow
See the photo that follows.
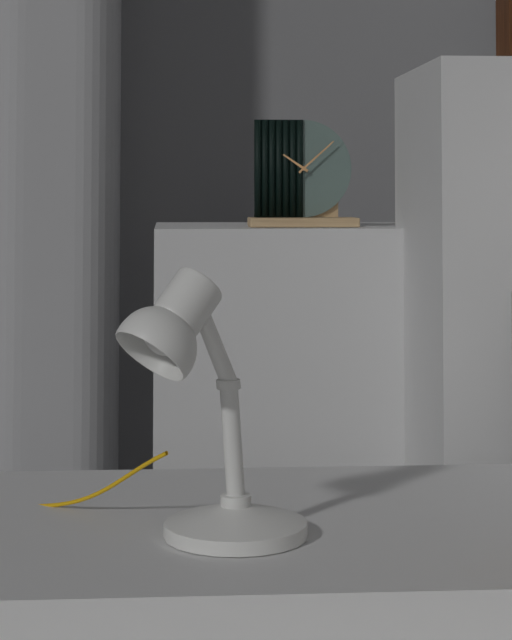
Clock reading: 10h08
